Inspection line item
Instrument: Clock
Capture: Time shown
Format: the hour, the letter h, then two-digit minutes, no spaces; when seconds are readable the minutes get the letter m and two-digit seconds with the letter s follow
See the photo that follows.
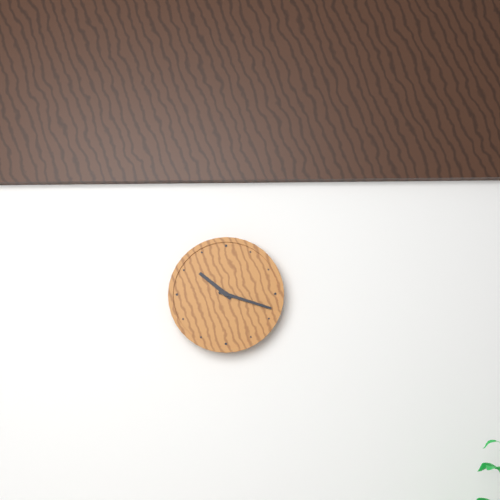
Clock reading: 10h18
